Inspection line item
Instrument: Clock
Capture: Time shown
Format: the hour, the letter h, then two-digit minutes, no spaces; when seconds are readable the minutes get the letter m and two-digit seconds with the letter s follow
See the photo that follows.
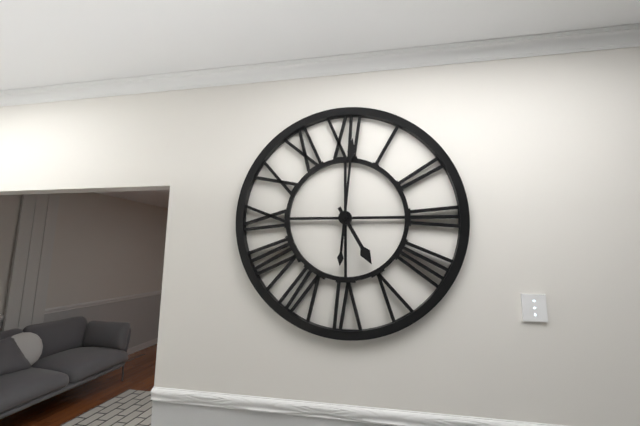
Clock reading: 5h01
